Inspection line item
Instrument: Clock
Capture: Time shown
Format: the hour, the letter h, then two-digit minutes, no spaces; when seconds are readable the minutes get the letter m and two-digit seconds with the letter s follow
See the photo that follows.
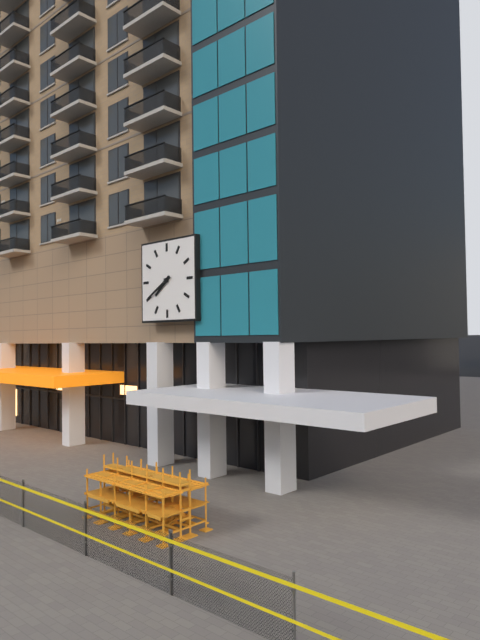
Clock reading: 7h40
